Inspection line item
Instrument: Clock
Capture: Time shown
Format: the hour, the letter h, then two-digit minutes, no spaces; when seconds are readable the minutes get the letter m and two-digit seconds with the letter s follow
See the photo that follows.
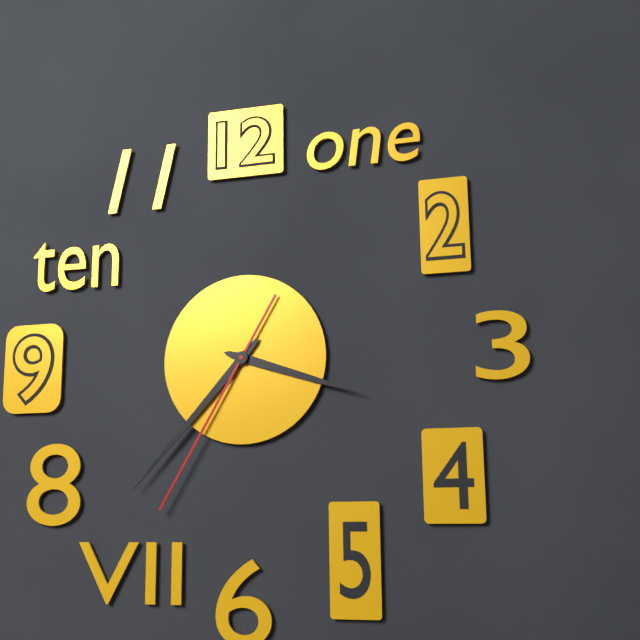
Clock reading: 3h37m35s
